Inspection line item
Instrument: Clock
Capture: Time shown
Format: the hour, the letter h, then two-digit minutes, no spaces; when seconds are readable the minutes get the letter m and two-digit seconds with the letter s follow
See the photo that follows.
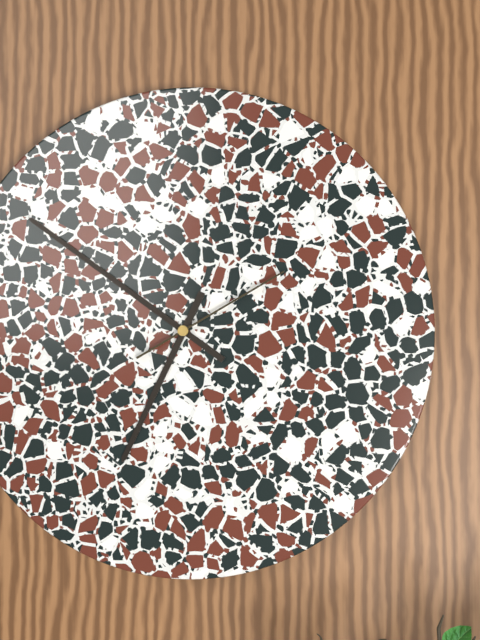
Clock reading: 6h51m10s
